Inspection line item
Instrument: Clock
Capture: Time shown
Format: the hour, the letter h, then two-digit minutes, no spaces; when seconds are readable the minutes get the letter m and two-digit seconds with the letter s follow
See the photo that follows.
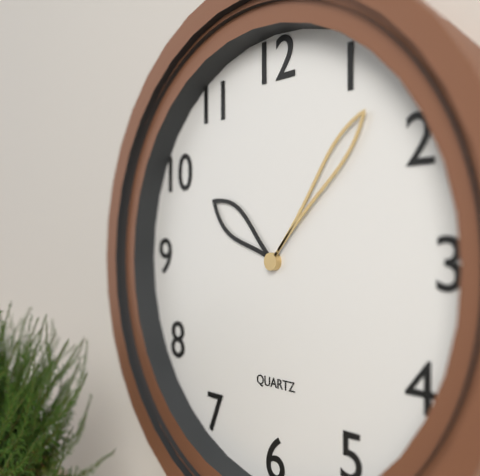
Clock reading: 10h07
